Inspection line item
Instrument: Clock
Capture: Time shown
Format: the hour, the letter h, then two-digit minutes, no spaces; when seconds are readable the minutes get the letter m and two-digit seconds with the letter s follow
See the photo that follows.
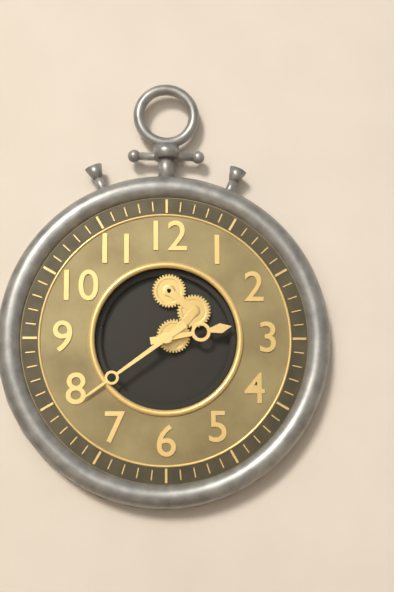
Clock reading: 2h39
